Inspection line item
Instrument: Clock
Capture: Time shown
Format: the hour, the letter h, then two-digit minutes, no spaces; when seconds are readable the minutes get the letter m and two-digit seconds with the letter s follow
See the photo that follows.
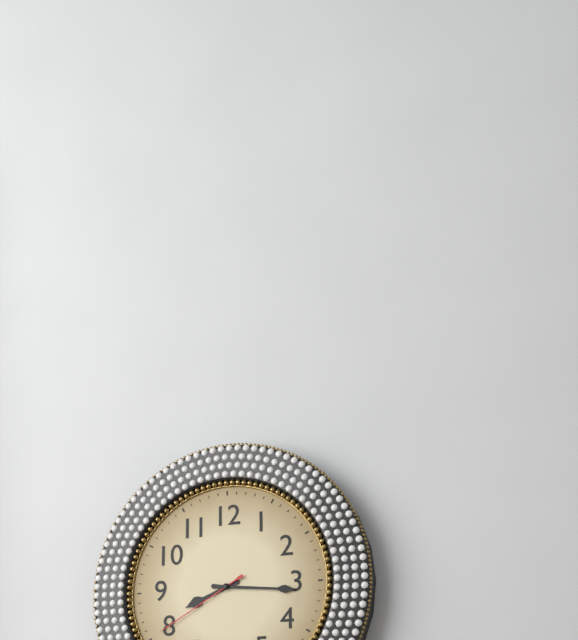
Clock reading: 8h16m40s
